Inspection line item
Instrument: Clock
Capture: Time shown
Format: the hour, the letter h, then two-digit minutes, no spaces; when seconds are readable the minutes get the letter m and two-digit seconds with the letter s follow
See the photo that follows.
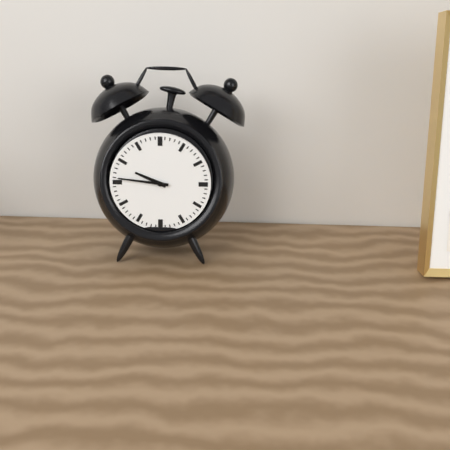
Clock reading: 9h46
